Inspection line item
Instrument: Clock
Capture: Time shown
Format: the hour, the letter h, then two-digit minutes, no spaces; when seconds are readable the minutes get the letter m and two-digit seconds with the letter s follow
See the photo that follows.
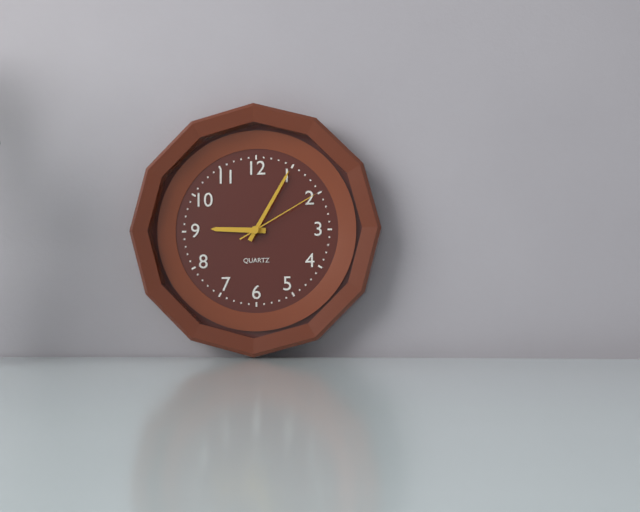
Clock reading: 9h05m10s
